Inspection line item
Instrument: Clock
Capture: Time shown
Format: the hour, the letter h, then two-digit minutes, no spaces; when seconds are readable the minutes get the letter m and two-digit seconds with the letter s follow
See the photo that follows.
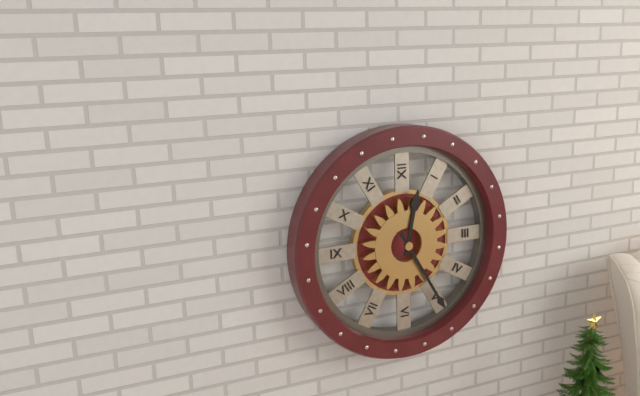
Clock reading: 12h25
